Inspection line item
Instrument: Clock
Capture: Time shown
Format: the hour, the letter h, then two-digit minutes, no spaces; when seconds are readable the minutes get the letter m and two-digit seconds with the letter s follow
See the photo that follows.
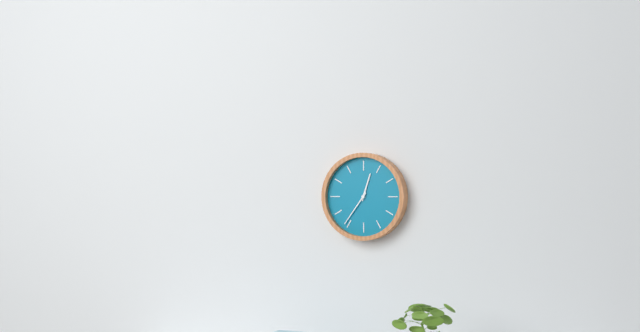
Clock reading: 12h36
